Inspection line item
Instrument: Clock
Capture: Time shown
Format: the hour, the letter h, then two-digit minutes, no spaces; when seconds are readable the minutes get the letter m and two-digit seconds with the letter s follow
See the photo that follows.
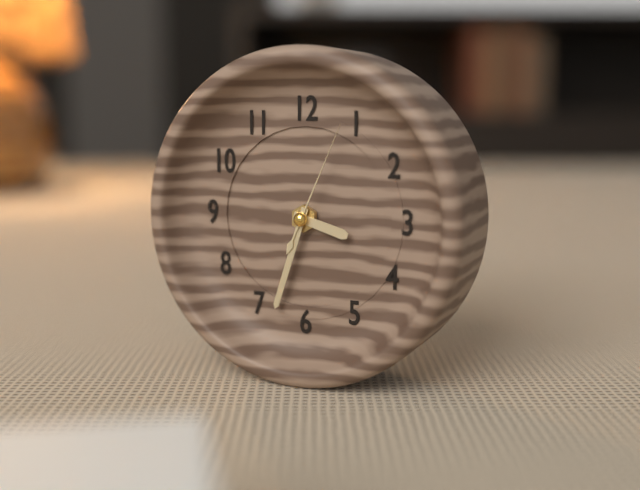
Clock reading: 3h33m04s
